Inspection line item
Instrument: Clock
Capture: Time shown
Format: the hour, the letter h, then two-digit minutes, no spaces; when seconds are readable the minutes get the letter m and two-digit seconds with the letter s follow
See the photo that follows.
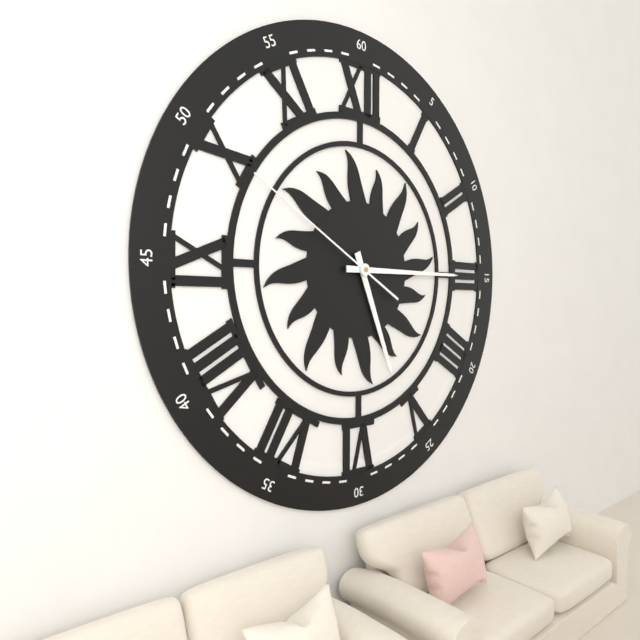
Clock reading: 5h15m50s
